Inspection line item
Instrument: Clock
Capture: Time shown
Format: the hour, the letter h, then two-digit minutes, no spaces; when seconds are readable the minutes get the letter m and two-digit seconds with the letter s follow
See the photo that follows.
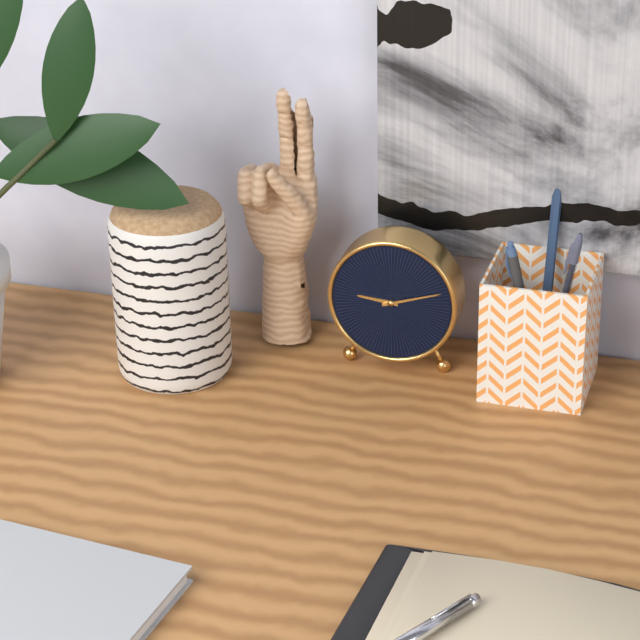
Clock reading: 9h12
